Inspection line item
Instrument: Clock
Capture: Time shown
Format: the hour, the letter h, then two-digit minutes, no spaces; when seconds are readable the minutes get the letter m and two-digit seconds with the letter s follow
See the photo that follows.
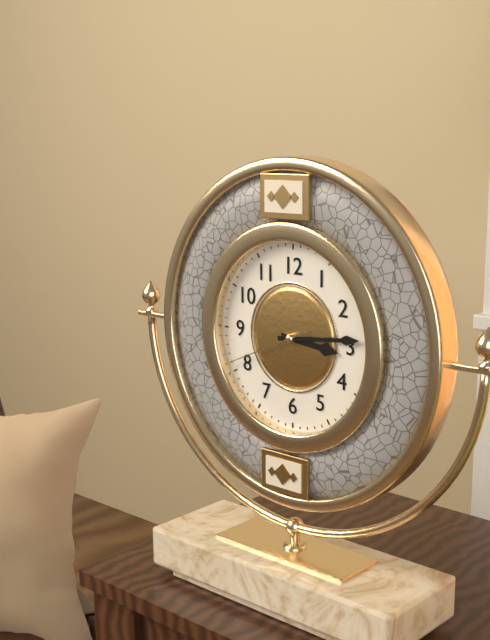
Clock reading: 3h14m41s
